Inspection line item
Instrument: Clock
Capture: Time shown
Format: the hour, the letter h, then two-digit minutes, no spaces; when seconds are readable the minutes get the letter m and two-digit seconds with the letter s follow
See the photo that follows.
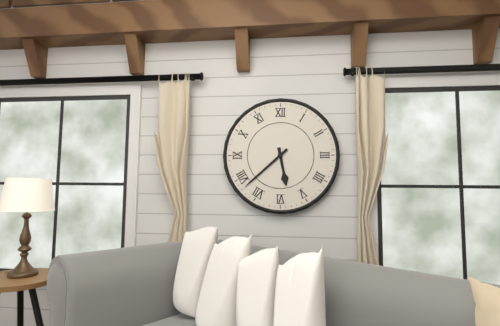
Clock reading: 5h38
